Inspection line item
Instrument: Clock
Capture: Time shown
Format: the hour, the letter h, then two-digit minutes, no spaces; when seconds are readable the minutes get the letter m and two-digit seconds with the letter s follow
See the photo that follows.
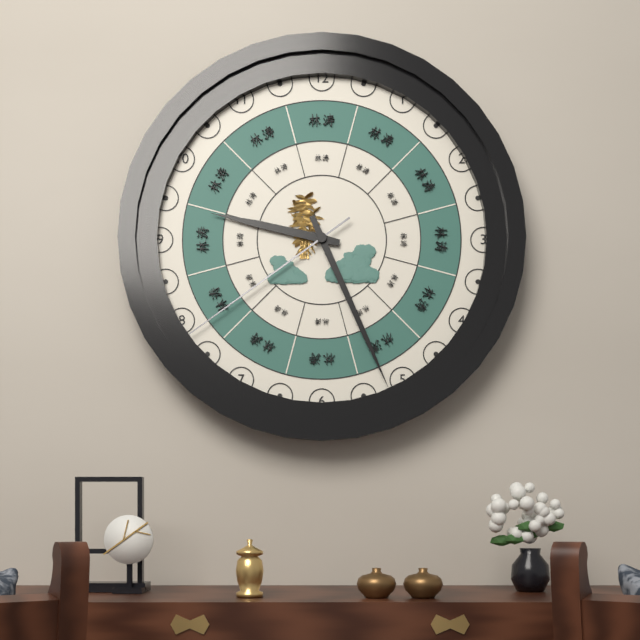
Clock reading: 9h26m39s
